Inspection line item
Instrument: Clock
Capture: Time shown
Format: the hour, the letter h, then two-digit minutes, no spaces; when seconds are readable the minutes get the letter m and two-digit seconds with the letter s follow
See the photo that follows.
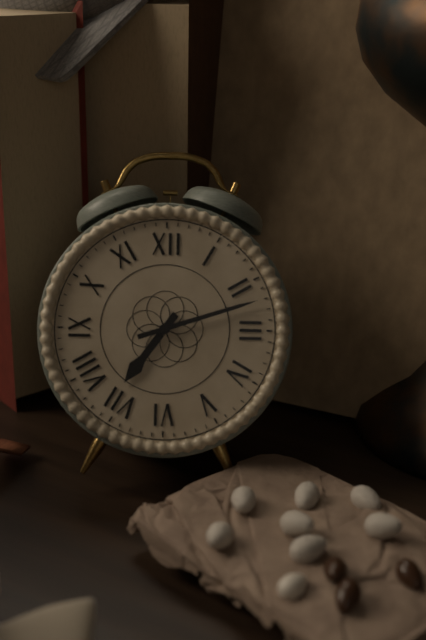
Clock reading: 7h12
